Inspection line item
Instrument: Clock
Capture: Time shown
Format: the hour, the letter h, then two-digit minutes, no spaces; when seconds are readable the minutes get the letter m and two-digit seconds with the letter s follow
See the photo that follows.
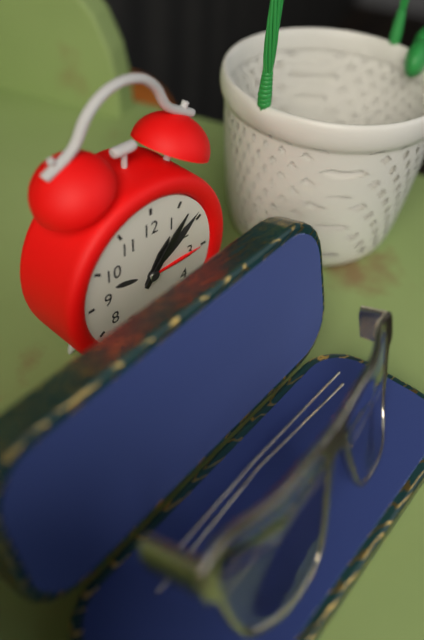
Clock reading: 1h07
